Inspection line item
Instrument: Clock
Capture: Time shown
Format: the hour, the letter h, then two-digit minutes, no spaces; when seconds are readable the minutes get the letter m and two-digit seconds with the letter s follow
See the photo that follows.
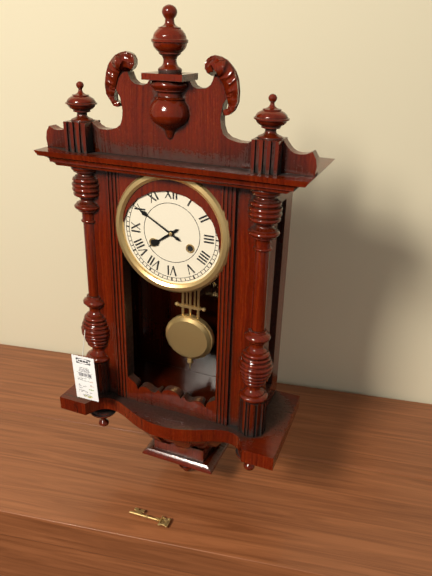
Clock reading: 7h50
